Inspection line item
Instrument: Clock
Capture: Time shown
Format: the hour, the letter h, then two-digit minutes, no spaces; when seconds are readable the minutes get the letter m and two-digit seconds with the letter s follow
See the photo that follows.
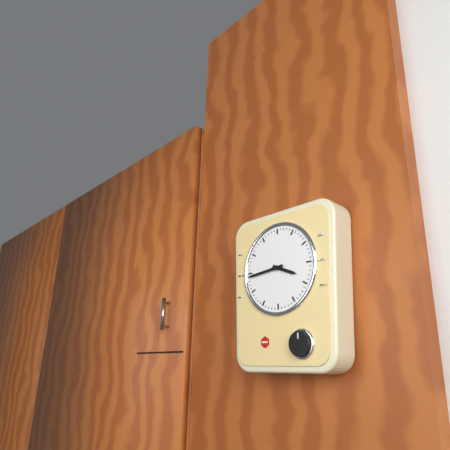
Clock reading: 3h44
